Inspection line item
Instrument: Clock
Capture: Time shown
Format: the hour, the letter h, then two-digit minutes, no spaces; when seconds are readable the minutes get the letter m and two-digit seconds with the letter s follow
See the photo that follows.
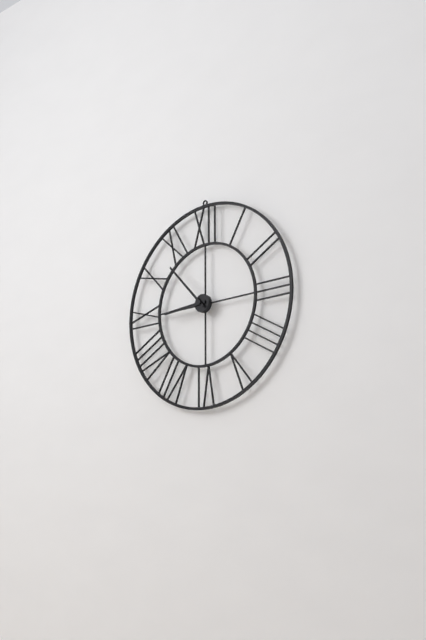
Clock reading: 8h53
